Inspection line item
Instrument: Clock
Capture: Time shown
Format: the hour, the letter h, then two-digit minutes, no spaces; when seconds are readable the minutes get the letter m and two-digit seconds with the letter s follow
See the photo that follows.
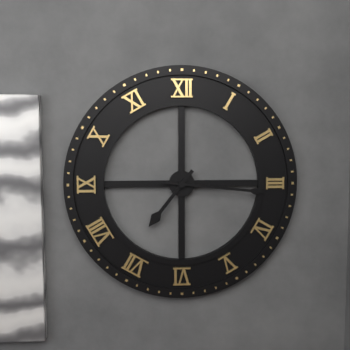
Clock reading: 7h16
